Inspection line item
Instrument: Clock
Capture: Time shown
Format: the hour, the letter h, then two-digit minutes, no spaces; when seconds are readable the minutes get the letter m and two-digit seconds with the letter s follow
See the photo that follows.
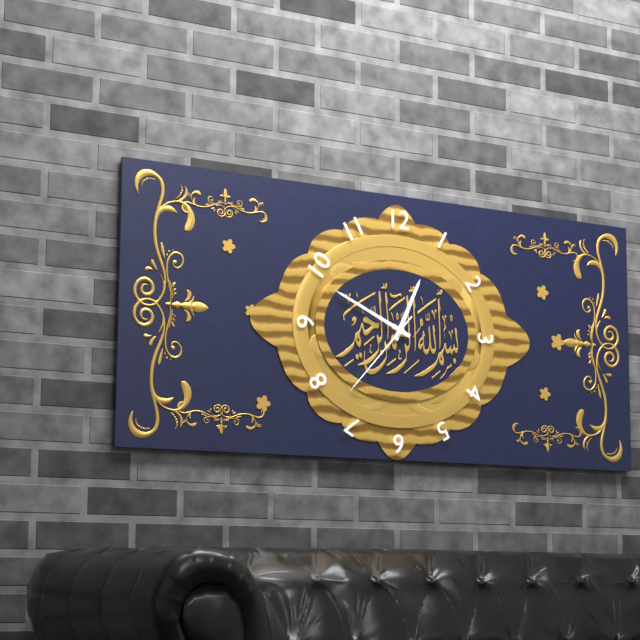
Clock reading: 12h49m37s
